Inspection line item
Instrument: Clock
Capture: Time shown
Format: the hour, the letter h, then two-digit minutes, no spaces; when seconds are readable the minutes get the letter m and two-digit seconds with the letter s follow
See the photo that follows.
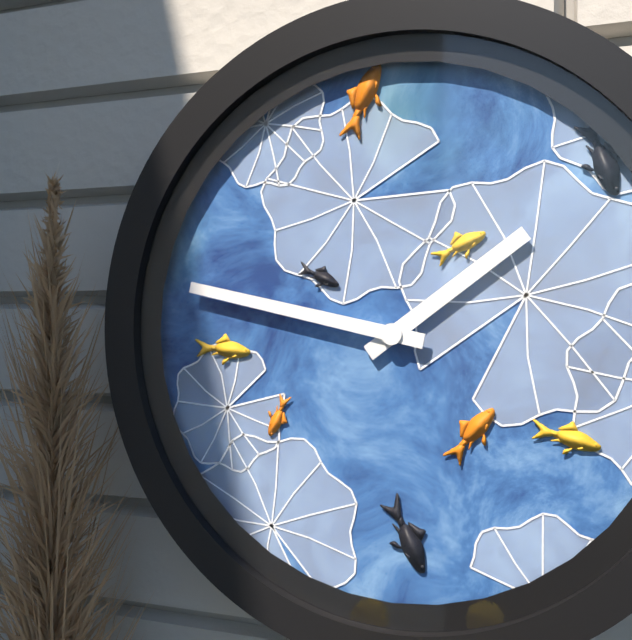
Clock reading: 1h47
